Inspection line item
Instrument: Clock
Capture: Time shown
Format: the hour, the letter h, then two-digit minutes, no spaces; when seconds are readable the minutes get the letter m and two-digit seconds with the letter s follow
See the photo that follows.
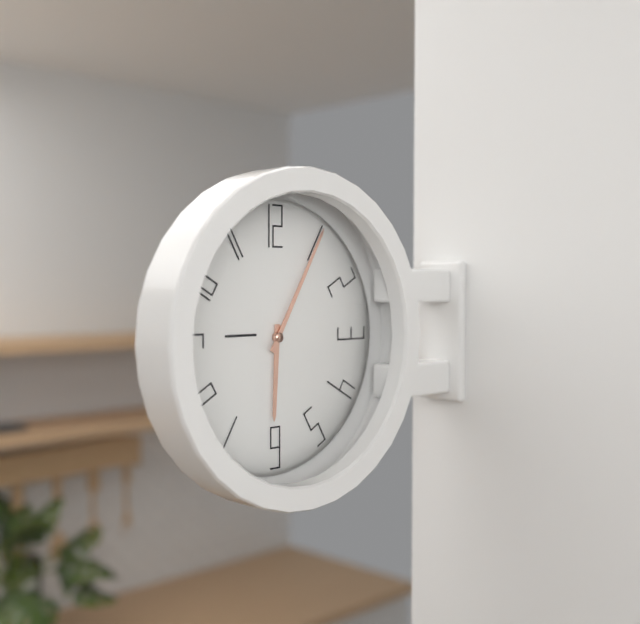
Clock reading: 6h05
